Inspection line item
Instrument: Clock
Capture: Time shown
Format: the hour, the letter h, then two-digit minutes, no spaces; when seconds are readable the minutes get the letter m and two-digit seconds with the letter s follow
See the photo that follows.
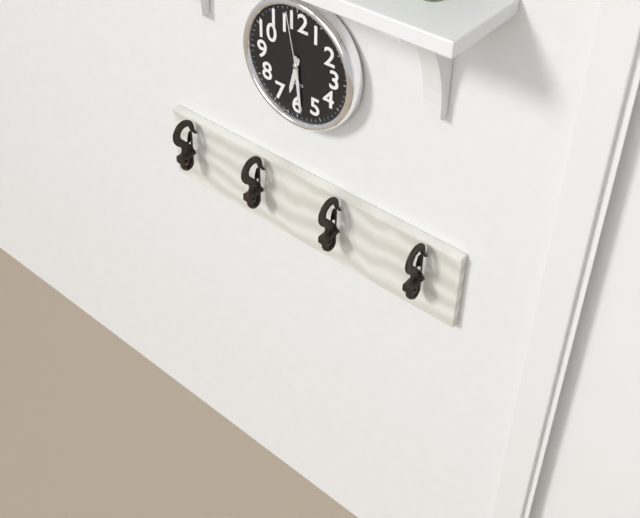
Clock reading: 6h29m58s
